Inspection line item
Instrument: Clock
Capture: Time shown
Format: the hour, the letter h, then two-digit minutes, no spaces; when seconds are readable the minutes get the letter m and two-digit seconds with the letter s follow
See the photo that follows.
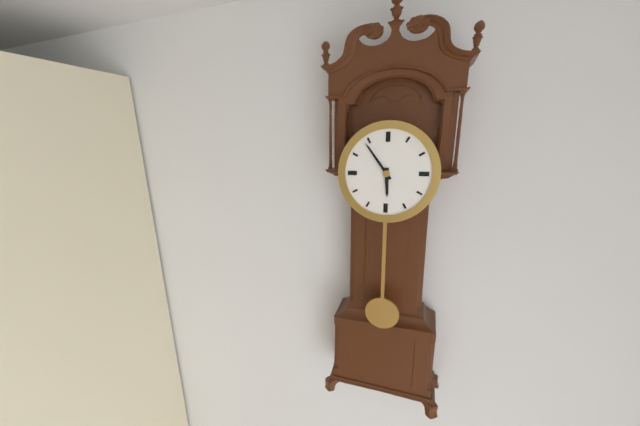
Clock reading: 5h54
